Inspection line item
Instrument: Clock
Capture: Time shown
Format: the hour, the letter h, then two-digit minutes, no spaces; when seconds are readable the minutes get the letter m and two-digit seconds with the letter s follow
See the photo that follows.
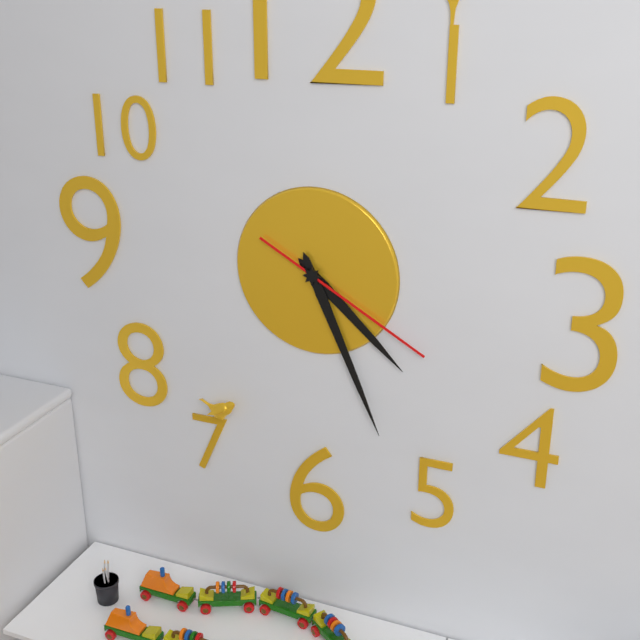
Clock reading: 4h26m20s
